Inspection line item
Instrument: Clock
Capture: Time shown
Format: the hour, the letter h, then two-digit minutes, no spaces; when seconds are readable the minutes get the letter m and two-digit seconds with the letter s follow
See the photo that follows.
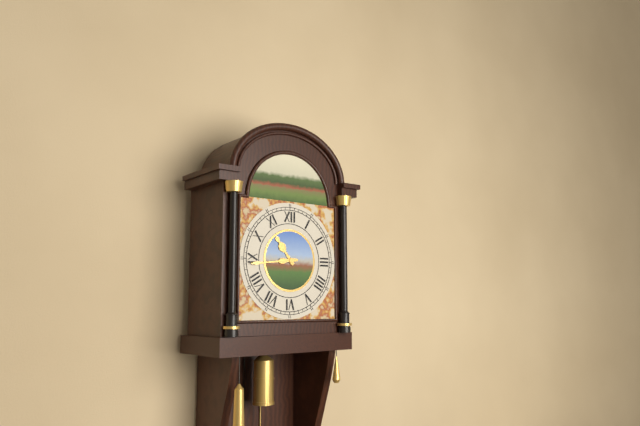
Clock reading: 10h44
